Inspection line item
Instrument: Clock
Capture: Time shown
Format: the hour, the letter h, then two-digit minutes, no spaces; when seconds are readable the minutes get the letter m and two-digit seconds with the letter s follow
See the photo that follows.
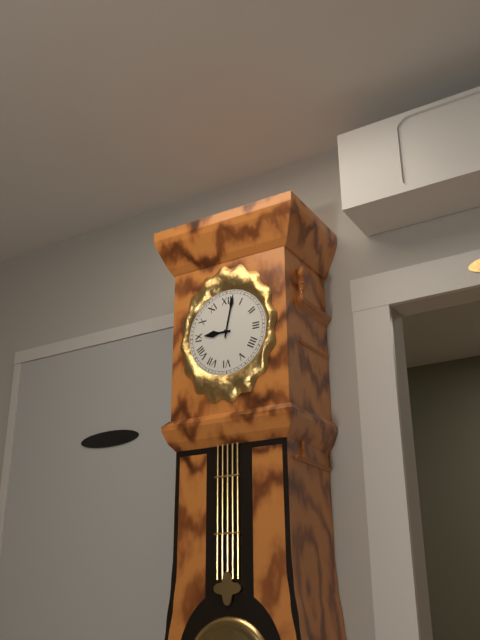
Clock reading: 9h02
